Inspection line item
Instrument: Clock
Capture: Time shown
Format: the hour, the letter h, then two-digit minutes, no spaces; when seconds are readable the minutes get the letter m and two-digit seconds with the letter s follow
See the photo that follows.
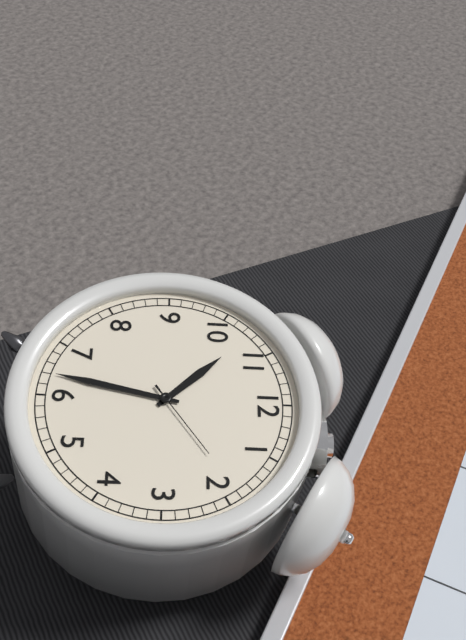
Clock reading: 10h32m09s
